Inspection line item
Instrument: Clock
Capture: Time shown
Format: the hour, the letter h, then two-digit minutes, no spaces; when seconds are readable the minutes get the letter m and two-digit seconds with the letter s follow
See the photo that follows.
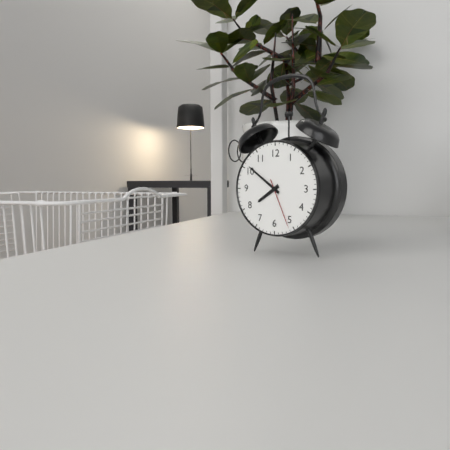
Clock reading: 7h51m26s
